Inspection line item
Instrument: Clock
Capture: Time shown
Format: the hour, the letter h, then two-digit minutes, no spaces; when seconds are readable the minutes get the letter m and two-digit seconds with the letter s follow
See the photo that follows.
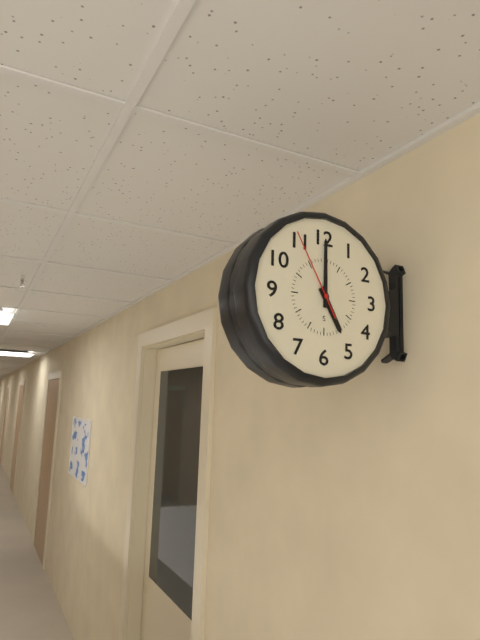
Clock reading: 5h00m55s
